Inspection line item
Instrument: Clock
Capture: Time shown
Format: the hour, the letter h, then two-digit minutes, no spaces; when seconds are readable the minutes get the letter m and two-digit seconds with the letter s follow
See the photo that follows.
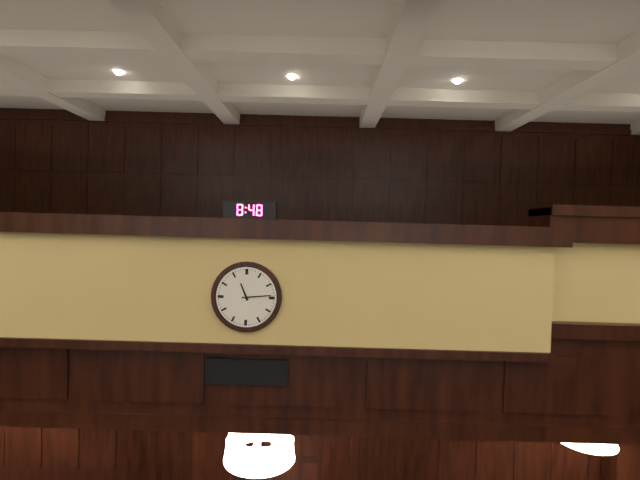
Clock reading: 11h14
